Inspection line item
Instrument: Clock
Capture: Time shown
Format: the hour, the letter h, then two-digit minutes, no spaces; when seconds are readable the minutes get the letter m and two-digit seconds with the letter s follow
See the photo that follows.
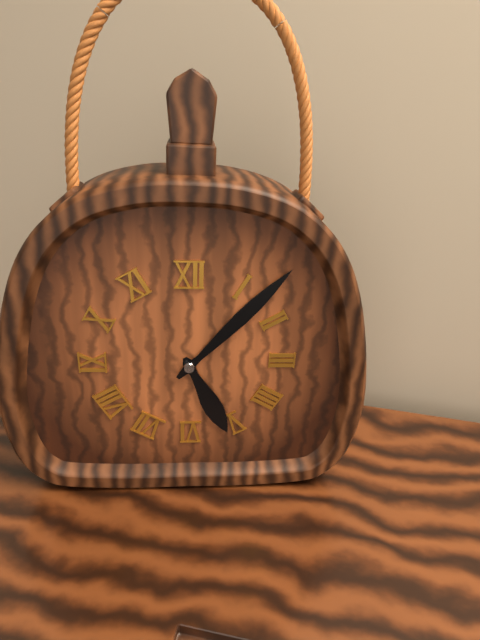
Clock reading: 5h07
